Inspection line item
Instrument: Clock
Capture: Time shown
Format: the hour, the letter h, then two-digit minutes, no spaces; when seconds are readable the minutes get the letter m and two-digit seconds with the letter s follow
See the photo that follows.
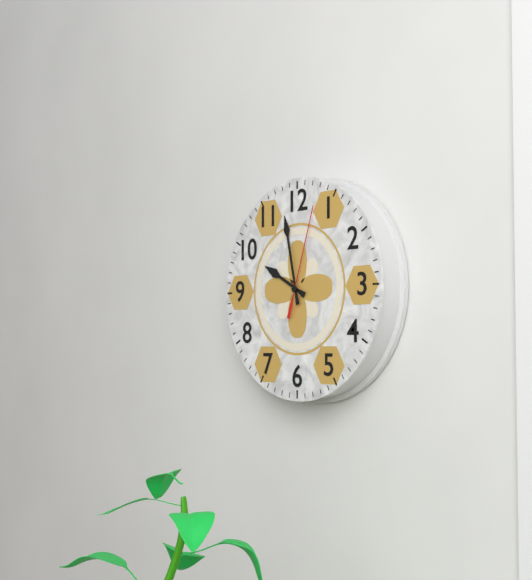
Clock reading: 9h58m03s
